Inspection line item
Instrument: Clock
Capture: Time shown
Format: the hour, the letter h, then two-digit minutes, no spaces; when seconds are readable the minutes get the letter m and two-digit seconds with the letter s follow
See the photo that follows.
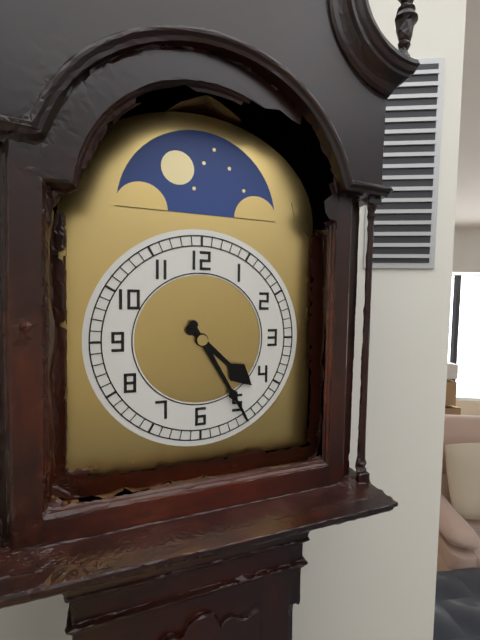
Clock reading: 4h25
